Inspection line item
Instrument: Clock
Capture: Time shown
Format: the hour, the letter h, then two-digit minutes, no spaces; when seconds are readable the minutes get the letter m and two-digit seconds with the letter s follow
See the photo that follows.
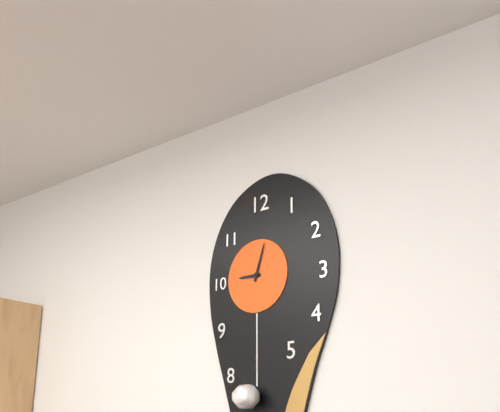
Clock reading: 9h03
